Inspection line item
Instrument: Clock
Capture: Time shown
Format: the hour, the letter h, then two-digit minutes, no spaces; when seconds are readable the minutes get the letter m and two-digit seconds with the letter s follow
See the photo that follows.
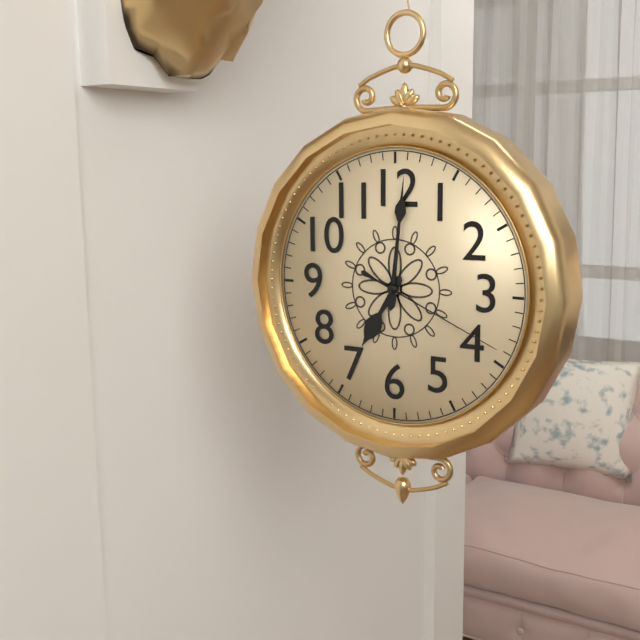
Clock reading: 7h01m19s
